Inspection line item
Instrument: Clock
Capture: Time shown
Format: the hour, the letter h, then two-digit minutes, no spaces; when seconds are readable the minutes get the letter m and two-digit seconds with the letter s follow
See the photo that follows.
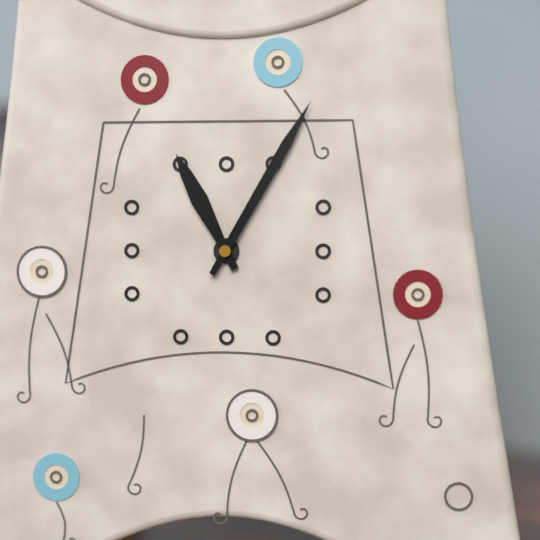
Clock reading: 11h05
